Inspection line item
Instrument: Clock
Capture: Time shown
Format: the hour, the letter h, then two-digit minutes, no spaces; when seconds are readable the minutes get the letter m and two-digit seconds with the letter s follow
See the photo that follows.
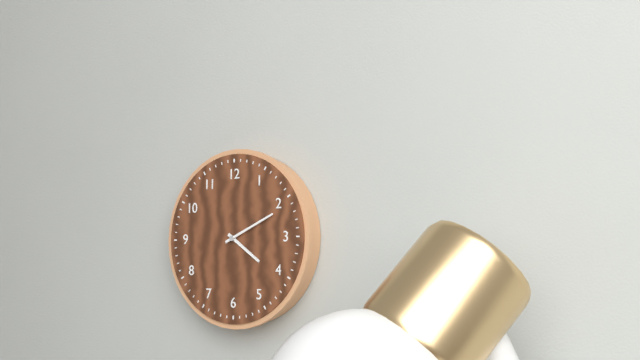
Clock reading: 4h11
